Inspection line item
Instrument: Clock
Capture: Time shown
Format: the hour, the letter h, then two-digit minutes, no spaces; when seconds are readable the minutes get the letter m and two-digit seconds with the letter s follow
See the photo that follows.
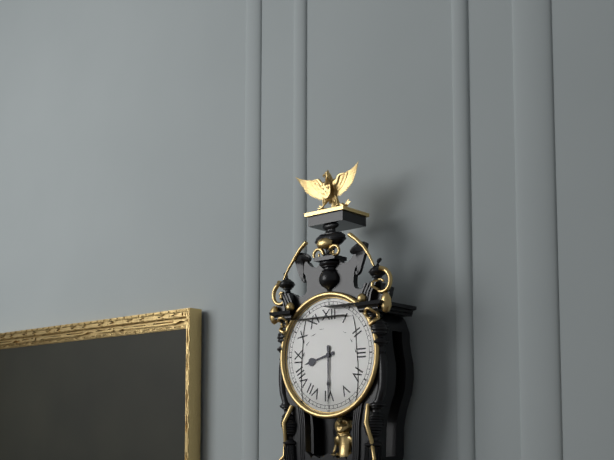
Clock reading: 8h30
